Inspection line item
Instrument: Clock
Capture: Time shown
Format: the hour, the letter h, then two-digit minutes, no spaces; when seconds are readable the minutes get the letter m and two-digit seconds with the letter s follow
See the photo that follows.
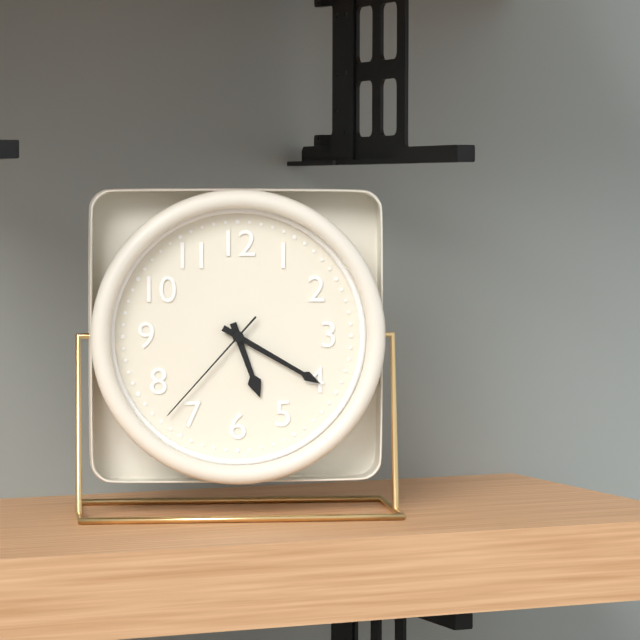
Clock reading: 5h20m37s
